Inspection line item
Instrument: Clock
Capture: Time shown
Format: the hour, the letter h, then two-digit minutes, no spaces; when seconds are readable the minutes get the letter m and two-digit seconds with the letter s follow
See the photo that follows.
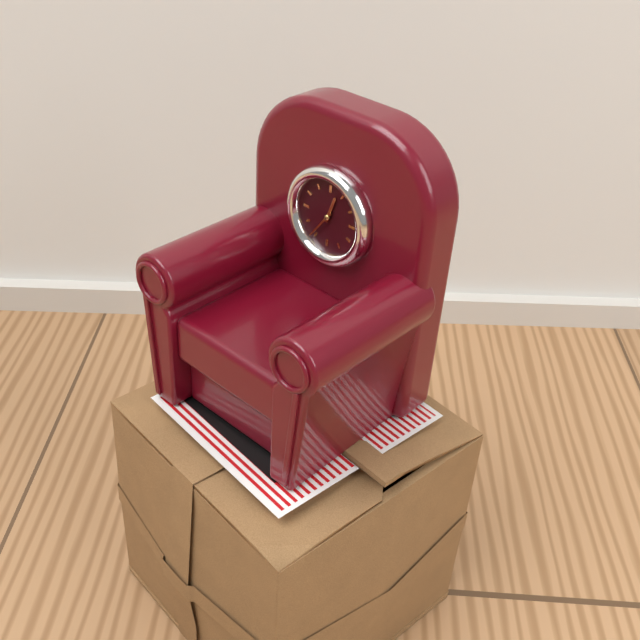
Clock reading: 12h36
